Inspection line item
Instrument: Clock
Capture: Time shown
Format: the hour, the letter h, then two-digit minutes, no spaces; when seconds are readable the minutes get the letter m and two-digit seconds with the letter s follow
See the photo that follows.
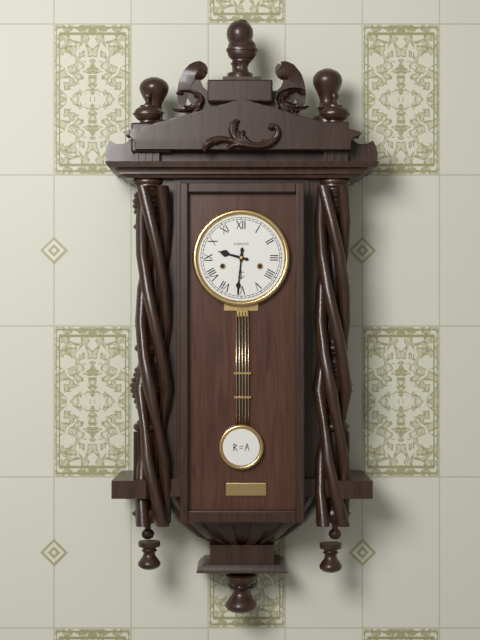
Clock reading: 9h31
